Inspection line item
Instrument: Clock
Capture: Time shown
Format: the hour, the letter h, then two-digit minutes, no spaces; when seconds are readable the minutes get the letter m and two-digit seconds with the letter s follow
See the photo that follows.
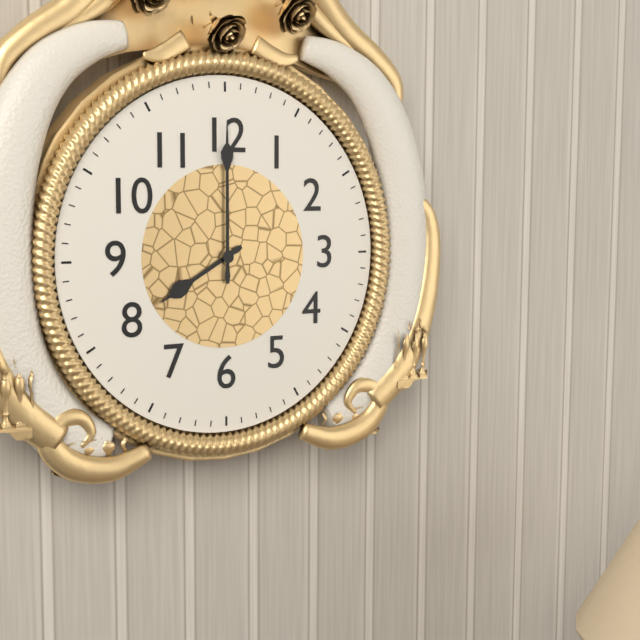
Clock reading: 8h00
